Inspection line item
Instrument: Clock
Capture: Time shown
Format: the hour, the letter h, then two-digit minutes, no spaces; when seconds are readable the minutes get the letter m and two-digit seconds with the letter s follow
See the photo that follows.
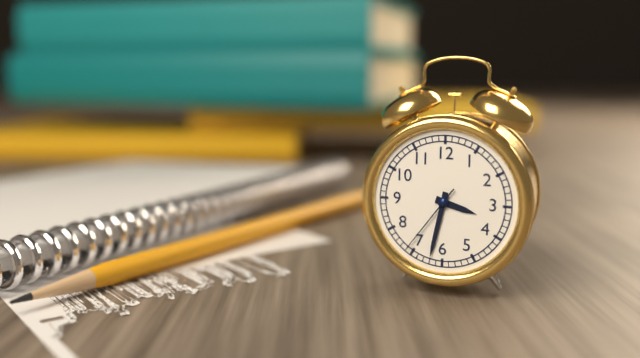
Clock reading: 3h32m36s
